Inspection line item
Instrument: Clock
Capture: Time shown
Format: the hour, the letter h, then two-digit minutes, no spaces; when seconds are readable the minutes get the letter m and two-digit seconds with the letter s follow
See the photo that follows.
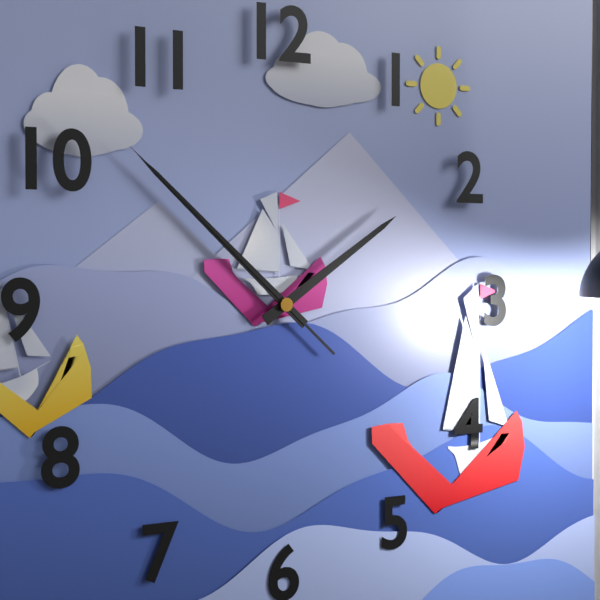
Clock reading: 1h52m52s
